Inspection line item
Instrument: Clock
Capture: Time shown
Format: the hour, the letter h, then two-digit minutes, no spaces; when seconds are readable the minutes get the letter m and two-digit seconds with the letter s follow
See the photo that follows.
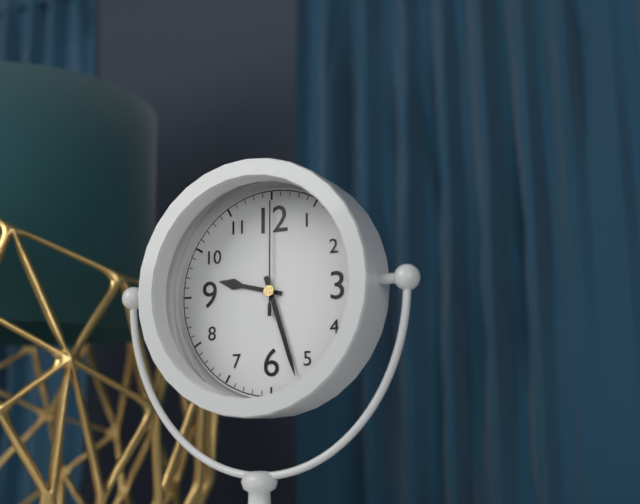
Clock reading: 9h27m00s
